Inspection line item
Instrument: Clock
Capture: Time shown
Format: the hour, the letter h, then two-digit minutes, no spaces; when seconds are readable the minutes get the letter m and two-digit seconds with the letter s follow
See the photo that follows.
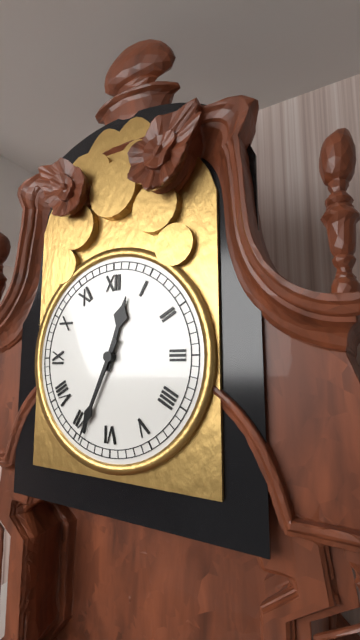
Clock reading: 12h34
